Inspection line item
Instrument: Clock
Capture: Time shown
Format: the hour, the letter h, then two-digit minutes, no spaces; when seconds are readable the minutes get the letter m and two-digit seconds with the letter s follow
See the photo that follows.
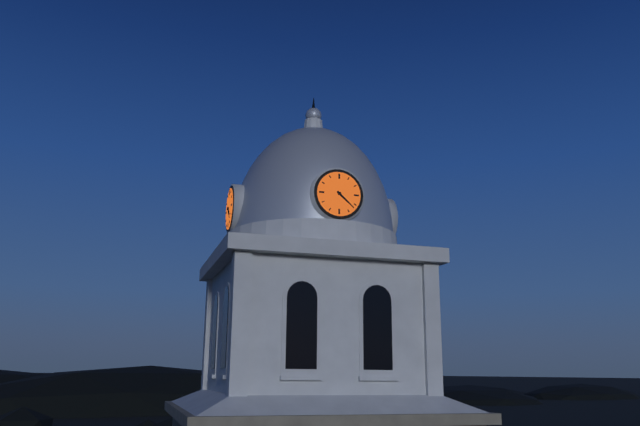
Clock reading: 4h22
